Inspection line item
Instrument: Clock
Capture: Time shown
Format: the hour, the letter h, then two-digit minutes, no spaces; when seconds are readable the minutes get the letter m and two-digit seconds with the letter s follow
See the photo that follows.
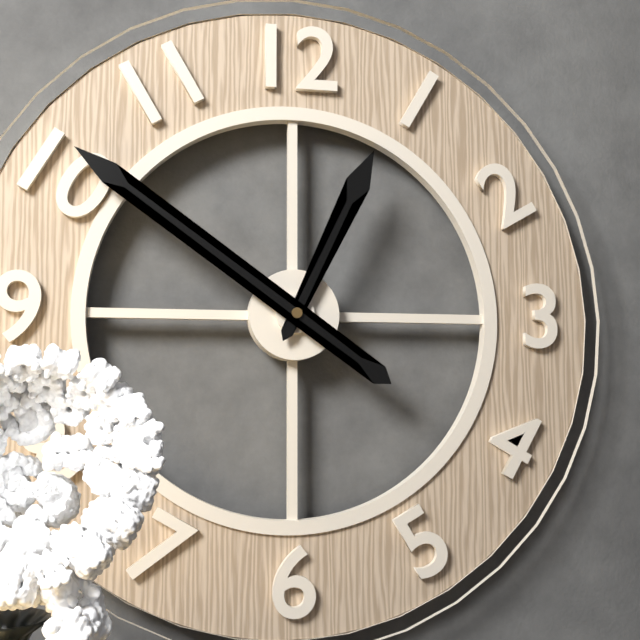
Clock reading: 12h51
